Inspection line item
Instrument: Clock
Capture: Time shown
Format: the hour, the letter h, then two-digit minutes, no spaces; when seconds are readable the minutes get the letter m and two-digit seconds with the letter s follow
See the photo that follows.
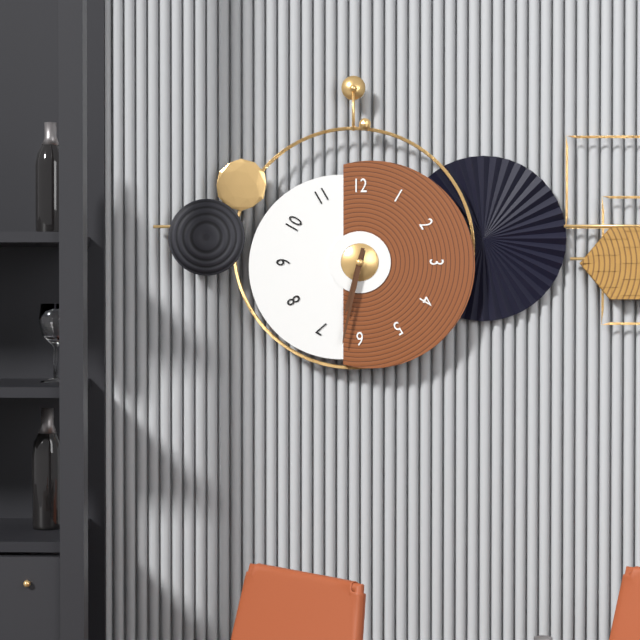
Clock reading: 6h32
